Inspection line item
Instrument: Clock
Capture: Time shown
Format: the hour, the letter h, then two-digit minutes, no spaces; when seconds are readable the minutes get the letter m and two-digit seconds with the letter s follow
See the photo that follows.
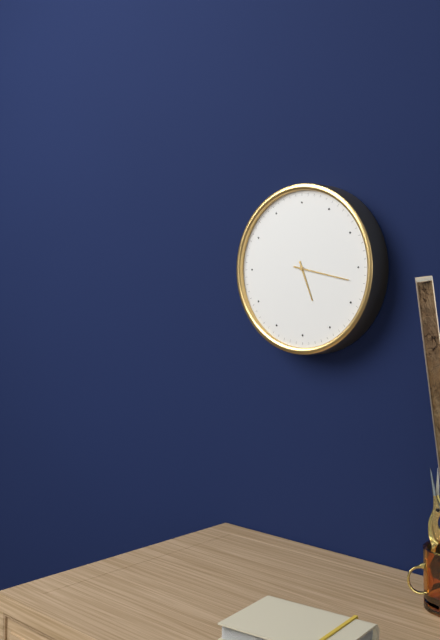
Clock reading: 5h17
